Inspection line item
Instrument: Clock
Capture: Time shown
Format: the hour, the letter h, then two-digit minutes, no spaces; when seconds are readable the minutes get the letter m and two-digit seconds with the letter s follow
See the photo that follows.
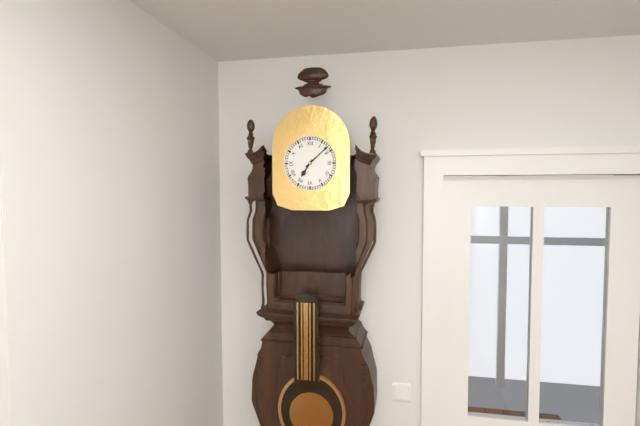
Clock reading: 7h08
